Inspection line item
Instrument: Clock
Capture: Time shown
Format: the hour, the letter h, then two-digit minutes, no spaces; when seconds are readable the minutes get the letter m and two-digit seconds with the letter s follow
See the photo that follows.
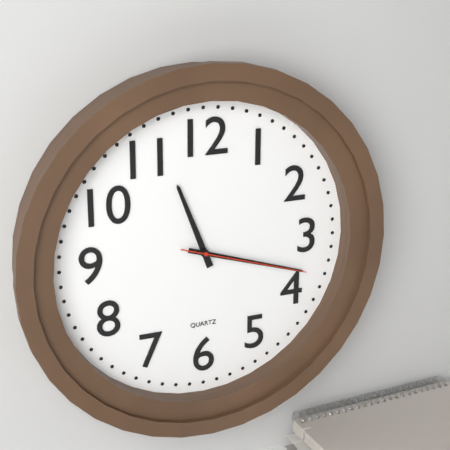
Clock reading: 11h18m18s
